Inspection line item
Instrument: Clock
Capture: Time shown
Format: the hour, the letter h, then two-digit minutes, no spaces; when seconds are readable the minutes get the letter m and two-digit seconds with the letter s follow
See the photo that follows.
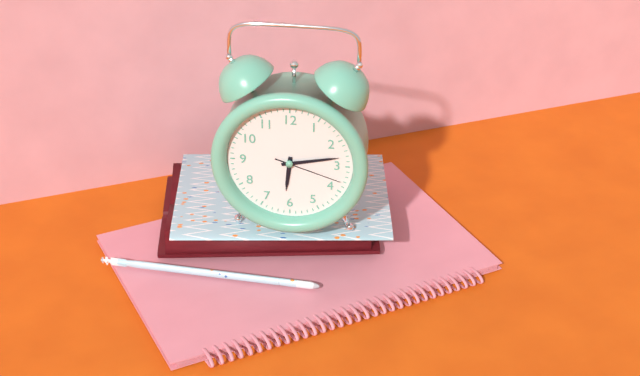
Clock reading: 6h13m18s
